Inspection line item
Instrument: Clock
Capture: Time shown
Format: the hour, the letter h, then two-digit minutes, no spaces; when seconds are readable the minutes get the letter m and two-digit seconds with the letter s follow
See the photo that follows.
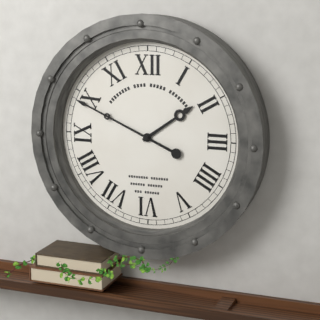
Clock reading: 1h49
